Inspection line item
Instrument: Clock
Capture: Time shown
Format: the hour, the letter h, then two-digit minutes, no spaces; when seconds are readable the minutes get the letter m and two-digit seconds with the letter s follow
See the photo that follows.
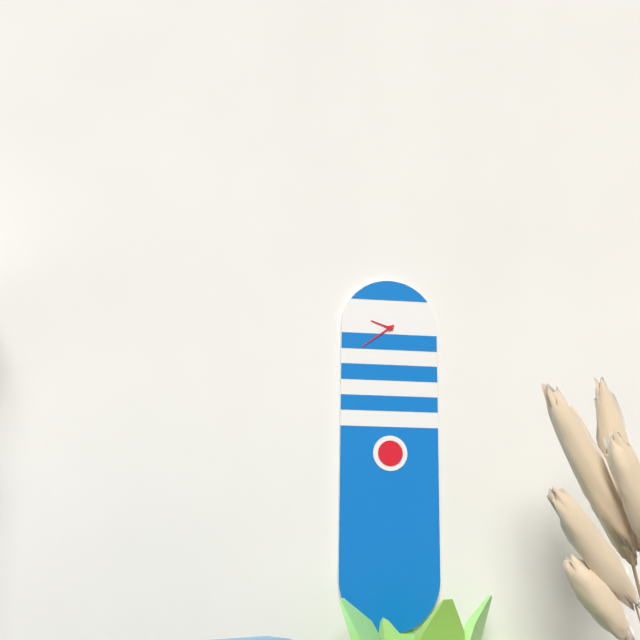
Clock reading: 9h39
